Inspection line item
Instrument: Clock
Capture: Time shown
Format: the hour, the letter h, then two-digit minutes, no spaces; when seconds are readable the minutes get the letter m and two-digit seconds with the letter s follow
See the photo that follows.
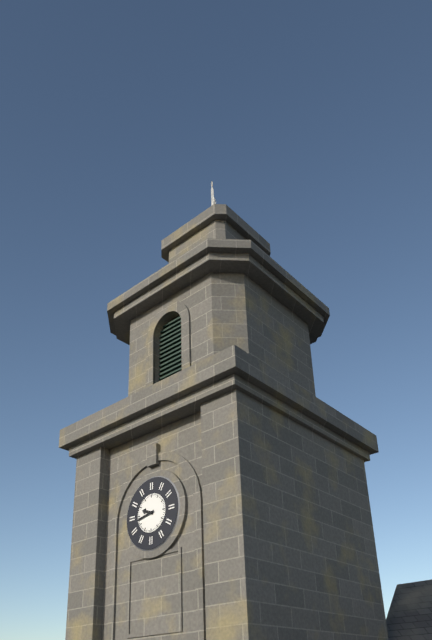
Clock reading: 9h43
